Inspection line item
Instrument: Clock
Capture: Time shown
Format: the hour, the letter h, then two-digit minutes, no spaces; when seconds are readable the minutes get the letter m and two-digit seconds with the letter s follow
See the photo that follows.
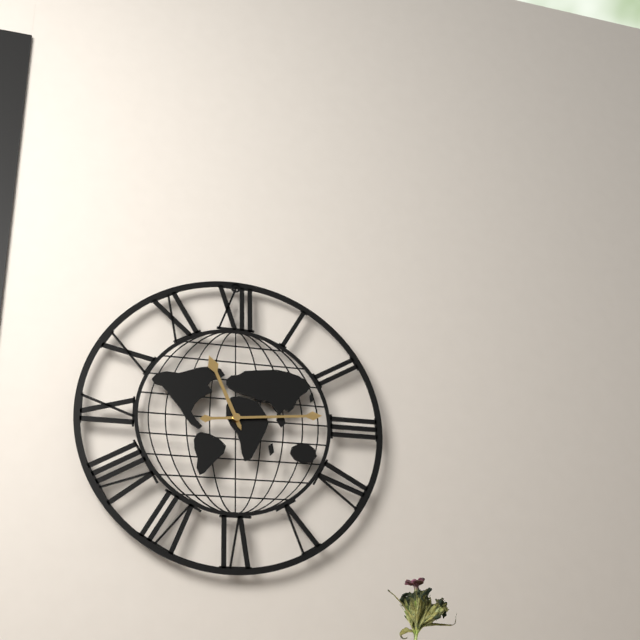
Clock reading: 11h14
